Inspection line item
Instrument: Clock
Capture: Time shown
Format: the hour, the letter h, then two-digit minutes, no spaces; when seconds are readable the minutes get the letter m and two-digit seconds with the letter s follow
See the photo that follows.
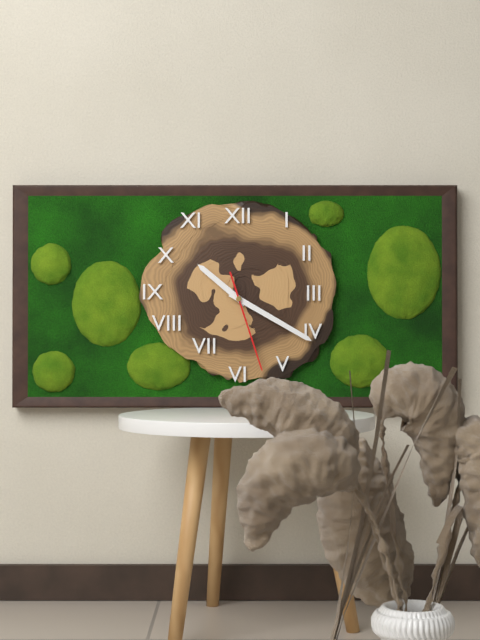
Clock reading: 10h20m27s
